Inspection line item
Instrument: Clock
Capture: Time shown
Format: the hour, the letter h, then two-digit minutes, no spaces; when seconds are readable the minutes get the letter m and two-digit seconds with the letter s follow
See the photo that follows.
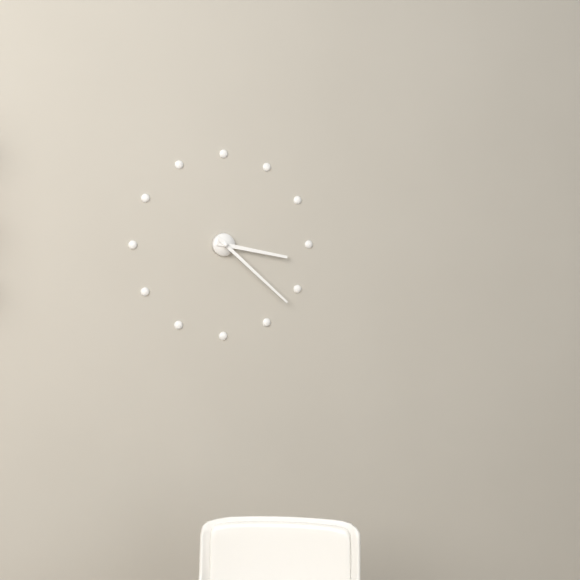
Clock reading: 3h22
